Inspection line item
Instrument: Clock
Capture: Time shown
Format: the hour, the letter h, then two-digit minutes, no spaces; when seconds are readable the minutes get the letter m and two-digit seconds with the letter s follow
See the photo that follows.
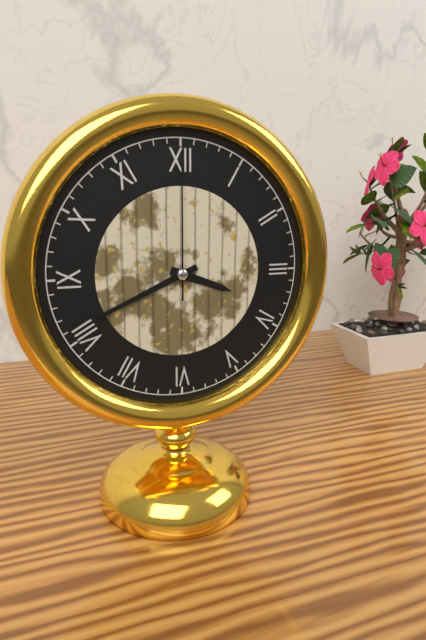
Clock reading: 3h41m00s
